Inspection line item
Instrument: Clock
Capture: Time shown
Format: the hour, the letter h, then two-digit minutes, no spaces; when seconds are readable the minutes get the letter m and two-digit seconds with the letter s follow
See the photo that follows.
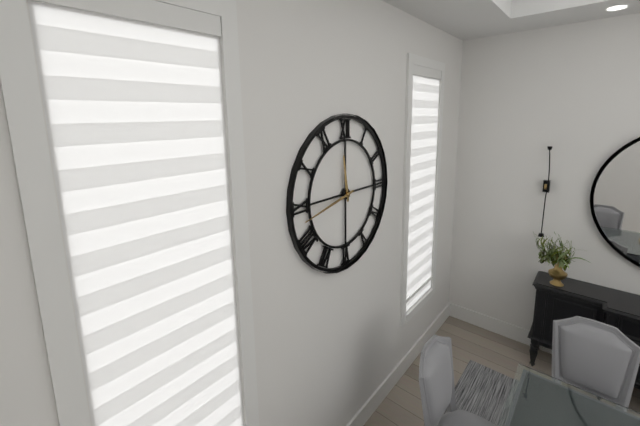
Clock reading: 11h43
